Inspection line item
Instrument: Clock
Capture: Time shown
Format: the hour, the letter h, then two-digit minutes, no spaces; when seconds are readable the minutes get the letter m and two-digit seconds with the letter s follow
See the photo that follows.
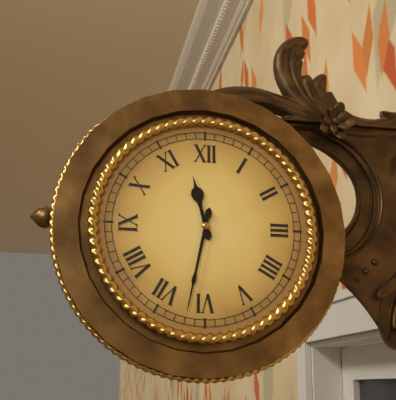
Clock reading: 11h32
